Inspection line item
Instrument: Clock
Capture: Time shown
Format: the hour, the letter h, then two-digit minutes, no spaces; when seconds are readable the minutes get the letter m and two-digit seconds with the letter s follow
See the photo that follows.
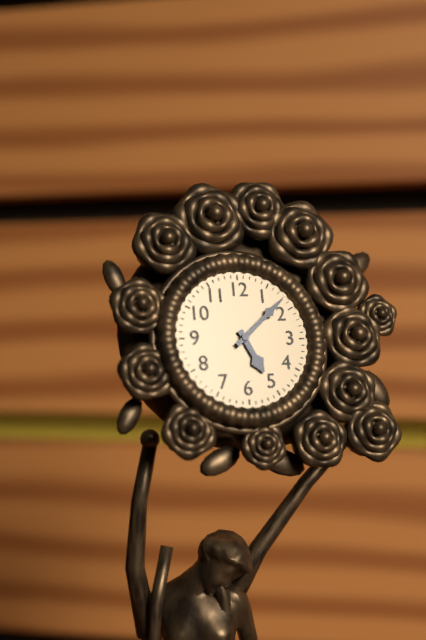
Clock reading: 5h08
